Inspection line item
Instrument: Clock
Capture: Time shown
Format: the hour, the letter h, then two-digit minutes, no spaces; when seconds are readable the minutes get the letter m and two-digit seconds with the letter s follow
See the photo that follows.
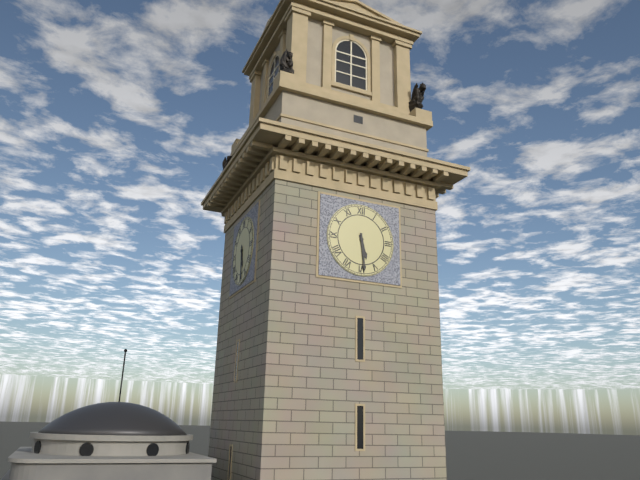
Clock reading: 5h29
